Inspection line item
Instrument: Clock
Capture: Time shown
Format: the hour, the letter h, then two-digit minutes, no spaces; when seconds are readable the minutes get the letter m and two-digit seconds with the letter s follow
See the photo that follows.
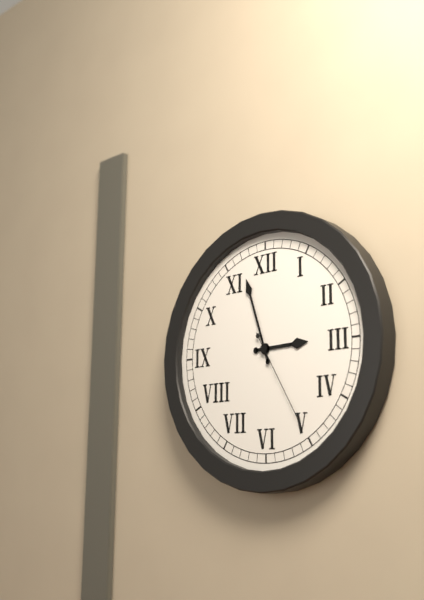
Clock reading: 2h57m25s
